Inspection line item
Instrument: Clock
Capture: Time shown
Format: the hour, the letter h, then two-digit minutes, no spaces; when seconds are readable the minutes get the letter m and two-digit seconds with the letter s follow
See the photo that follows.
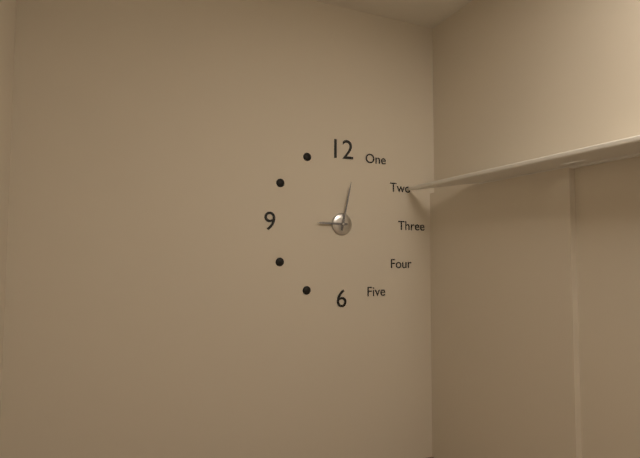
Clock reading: 9h02
